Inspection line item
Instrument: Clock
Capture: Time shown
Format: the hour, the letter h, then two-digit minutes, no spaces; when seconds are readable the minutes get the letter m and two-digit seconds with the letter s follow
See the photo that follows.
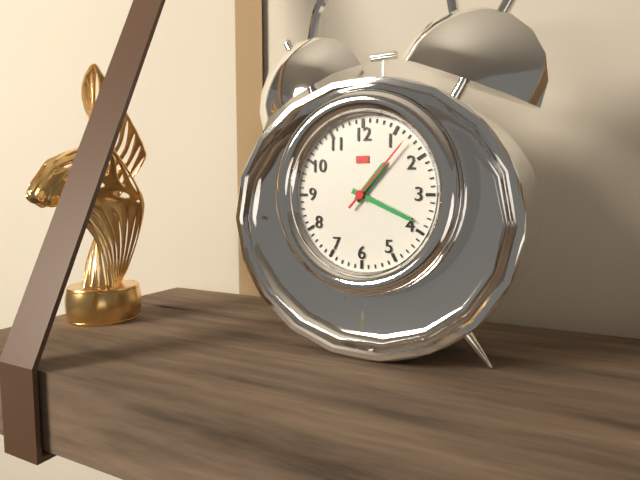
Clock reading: 1h19m07s
